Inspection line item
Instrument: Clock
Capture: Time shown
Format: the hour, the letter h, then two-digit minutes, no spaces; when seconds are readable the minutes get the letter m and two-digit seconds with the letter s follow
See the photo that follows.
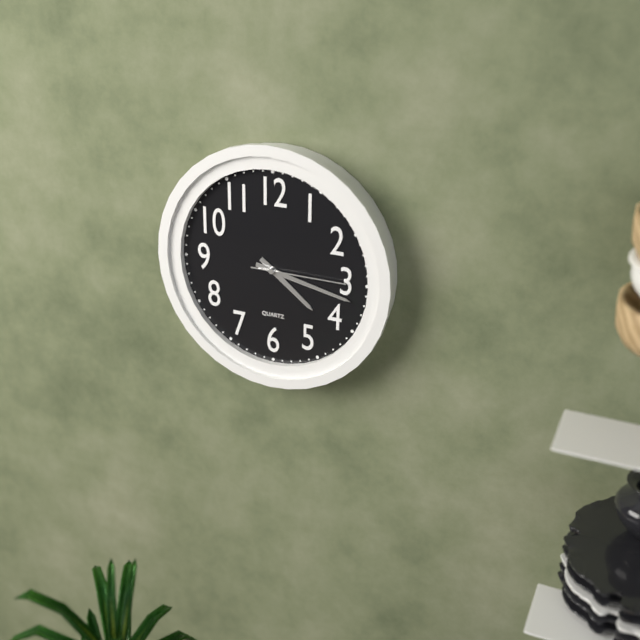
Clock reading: 4h17m15s
